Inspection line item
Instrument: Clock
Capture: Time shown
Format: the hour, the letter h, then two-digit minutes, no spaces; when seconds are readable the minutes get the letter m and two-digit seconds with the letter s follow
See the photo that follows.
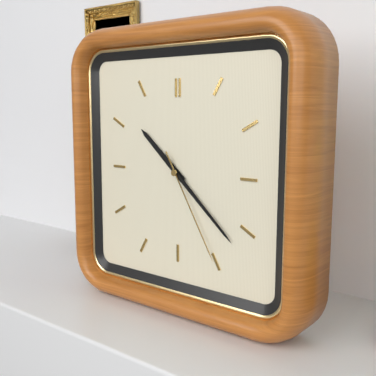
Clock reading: 10h22m25s
